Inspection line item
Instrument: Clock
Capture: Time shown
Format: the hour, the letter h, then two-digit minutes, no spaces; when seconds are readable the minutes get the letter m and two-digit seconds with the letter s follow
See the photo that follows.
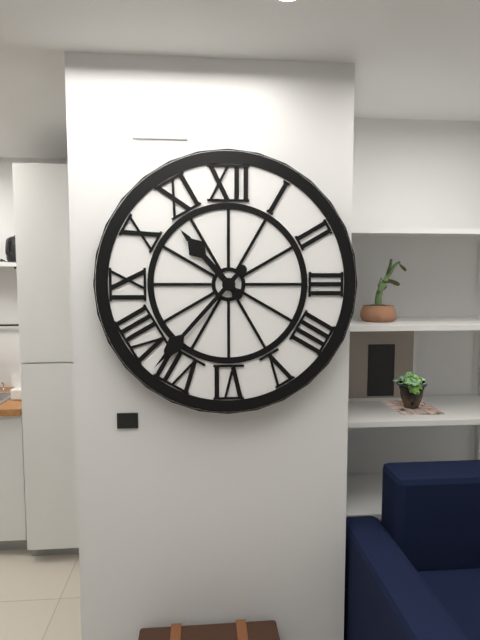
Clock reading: 10h37
